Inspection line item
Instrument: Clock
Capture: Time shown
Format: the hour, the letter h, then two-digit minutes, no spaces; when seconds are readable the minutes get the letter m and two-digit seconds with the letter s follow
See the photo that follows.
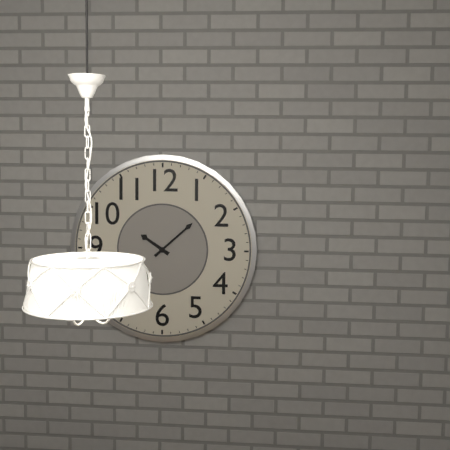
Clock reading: 10h08
